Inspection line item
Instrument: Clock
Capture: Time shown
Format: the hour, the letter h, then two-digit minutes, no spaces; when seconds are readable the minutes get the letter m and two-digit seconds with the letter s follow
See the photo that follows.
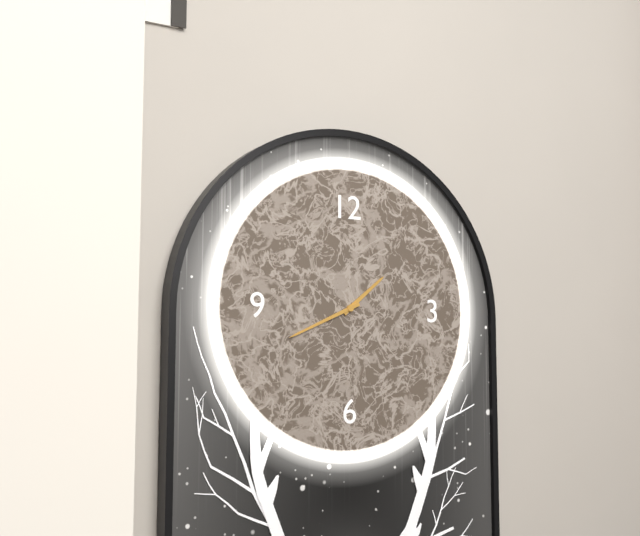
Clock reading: 1h41
